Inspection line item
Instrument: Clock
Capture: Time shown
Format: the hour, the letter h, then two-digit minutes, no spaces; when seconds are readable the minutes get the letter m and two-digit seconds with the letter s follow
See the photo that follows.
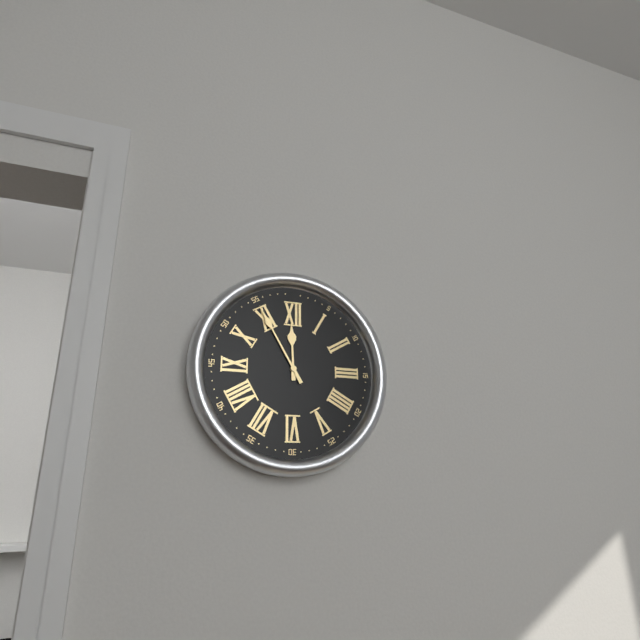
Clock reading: 11h55
